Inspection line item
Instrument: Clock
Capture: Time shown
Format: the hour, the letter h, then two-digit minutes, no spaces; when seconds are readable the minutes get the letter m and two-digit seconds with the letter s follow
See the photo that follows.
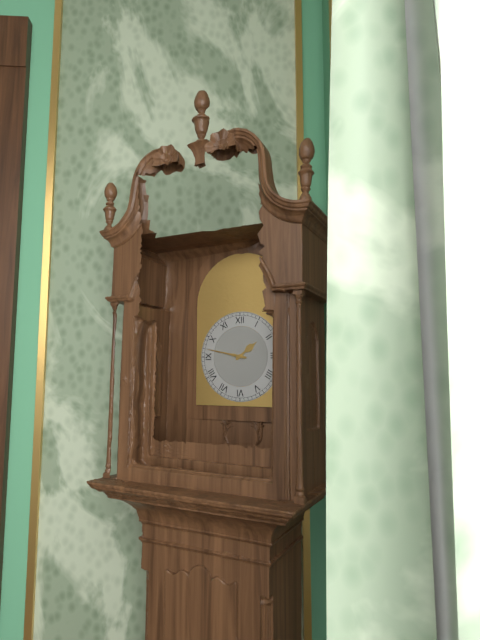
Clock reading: 1h47
